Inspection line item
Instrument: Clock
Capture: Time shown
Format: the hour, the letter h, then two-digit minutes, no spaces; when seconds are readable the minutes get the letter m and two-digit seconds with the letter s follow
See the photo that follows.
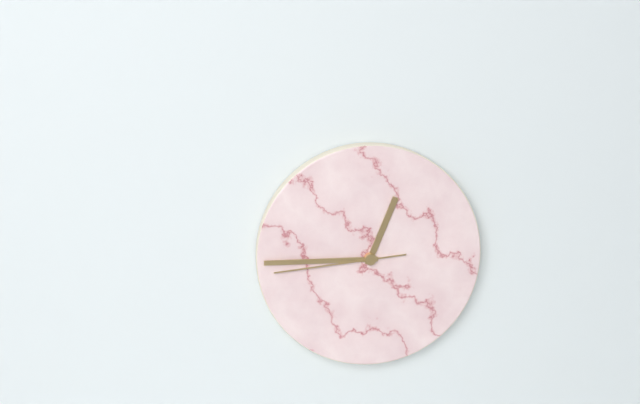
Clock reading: 12h45m44s
